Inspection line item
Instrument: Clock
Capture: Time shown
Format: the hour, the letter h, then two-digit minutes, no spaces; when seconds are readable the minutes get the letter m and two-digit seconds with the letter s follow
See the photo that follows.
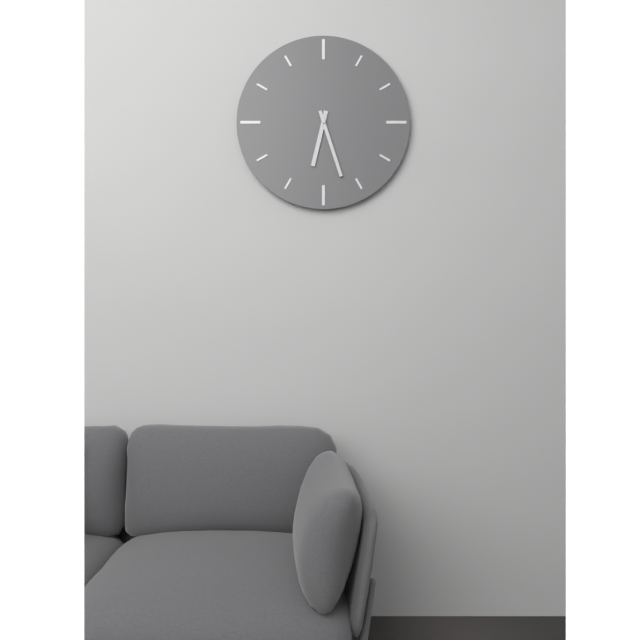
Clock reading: 6h27
